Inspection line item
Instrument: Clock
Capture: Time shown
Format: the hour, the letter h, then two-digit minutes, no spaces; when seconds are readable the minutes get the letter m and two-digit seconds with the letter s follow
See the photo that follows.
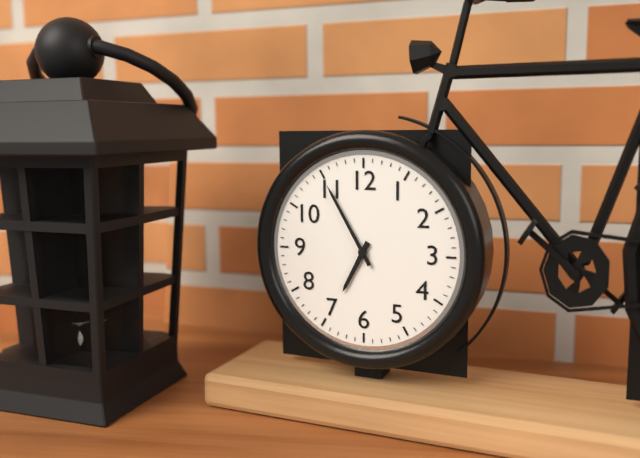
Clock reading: 6h55
